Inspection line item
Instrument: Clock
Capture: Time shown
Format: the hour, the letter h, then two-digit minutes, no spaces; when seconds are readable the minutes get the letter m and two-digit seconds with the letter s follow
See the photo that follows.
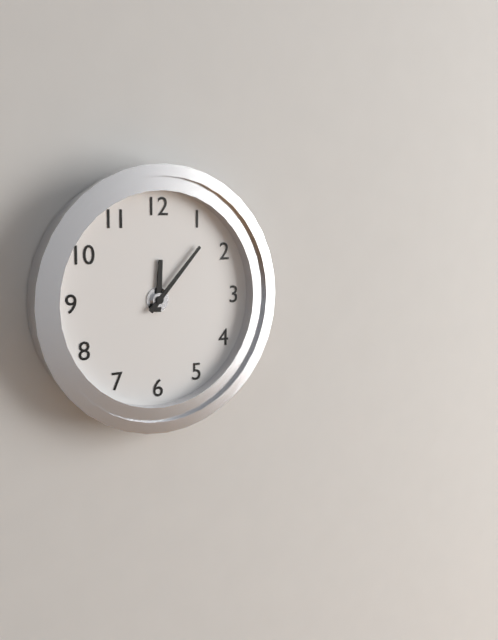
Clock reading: 12h07
